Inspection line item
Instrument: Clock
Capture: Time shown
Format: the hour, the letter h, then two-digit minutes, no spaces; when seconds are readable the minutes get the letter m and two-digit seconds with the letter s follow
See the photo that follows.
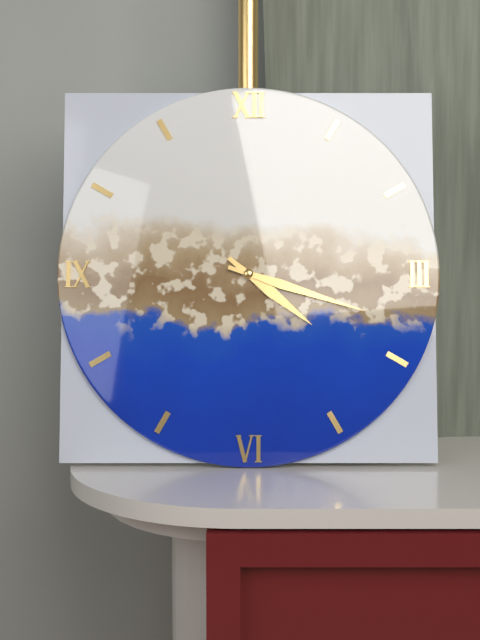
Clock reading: 4h18
